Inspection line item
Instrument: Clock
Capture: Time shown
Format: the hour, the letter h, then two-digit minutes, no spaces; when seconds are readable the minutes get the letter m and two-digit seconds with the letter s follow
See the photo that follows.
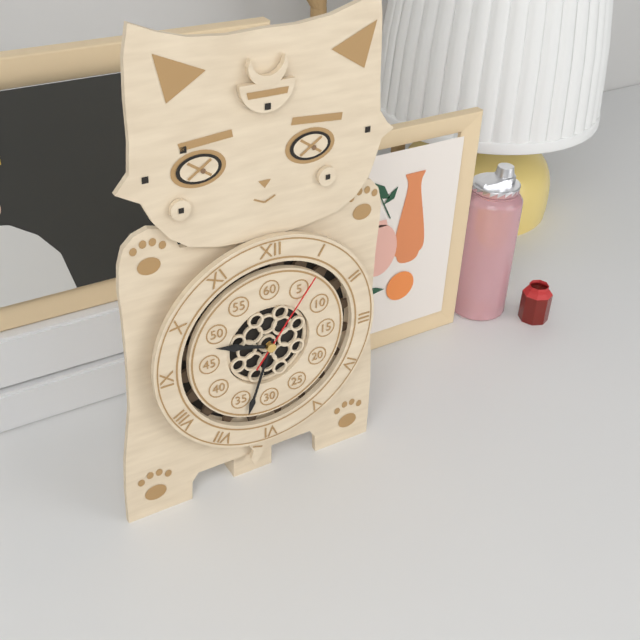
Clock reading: 9h33m06s
